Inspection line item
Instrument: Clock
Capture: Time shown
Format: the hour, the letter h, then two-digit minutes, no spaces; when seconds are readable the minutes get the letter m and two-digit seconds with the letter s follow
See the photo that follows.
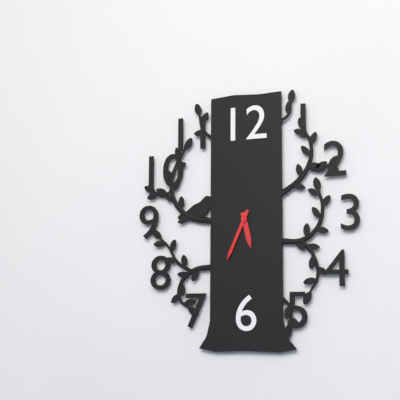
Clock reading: 5h34
